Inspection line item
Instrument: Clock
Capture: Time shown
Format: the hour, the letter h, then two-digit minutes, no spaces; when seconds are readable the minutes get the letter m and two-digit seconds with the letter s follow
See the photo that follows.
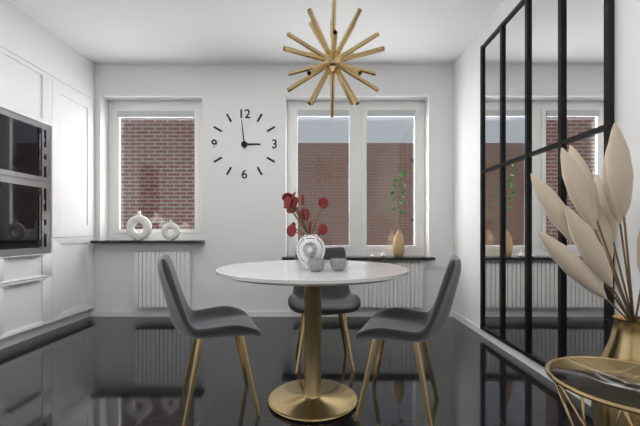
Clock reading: 2h59
